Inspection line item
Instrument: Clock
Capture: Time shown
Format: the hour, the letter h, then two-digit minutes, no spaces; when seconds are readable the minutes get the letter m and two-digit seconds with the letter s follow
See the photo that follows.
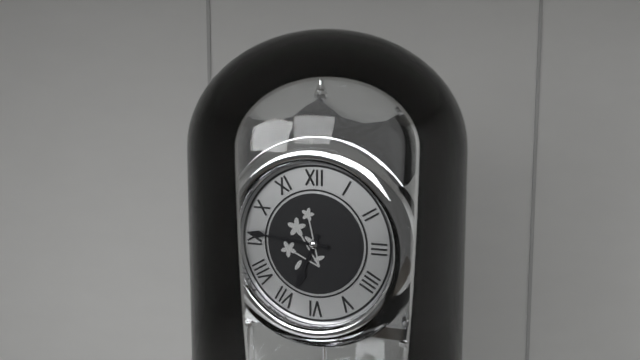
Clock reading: 6h46
